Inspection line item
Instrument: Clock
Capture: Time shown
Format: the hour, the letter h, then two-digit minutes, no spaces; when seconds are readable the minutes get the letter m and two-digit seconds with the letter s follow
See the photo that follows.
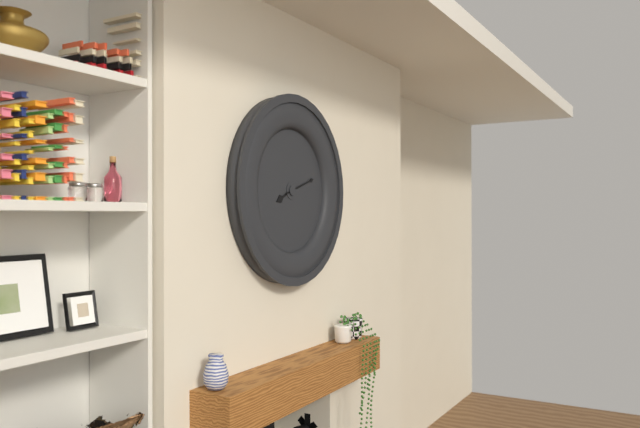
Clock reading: 8h12
